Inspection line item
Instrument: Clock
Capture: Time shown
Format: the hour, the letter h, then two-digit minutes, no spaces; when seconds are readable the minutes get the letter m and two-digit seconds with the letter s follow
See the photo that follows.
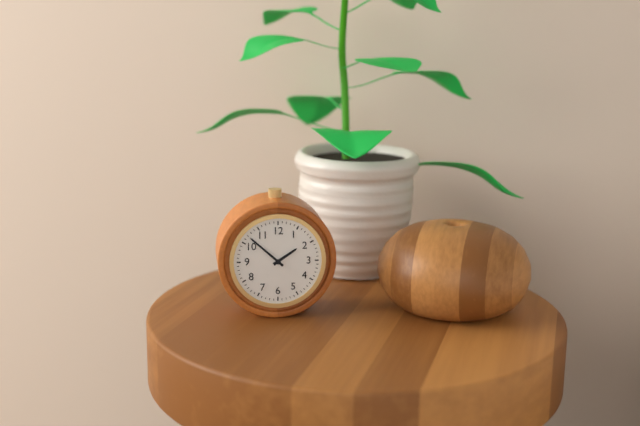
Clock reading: 1h52
